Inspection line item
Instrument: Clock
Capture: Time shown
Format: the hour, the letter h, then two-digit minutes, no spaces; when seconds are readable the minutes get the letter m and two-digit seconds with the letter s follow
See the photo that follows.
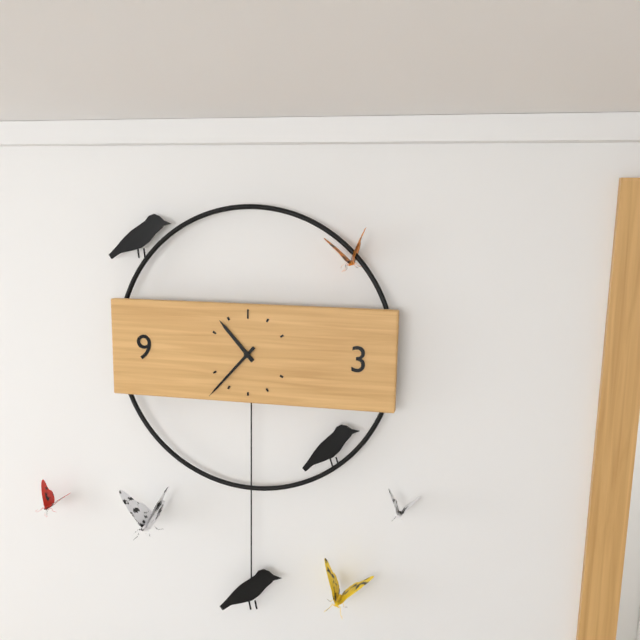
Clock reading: 10h37
